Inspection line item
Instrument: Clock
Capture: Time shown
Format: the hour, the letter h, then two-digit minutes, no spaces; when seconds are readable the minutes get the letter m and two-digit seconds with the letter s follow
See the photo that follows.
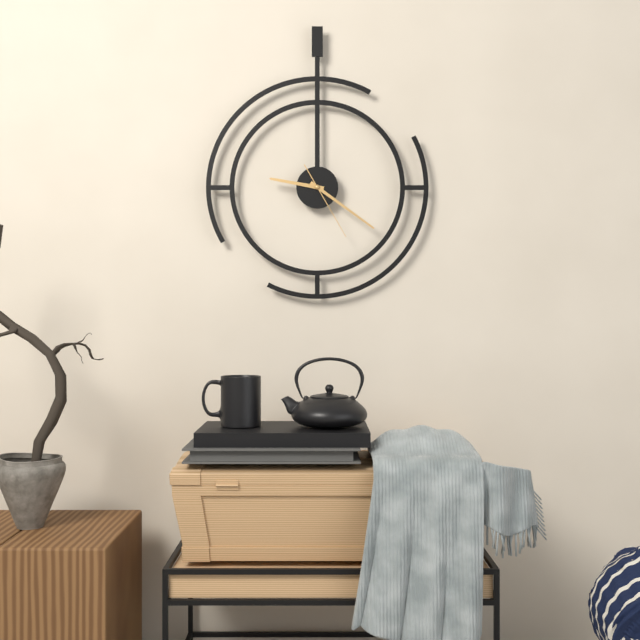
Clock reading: 9h21m25s
